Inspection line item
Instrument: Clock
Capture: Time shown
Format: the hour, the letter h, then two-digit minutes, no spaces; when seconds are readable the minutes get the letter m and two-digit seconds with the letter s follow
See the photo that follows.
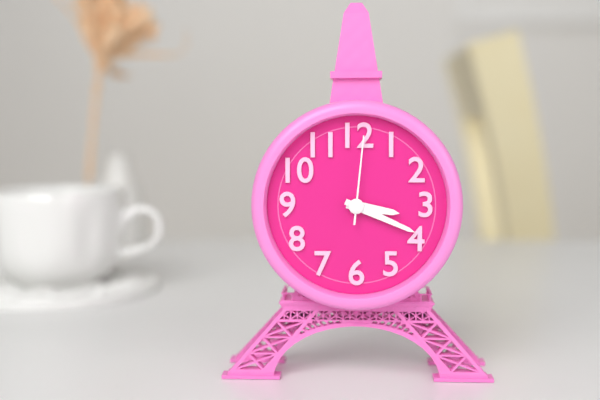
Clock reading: 3h19m01s
